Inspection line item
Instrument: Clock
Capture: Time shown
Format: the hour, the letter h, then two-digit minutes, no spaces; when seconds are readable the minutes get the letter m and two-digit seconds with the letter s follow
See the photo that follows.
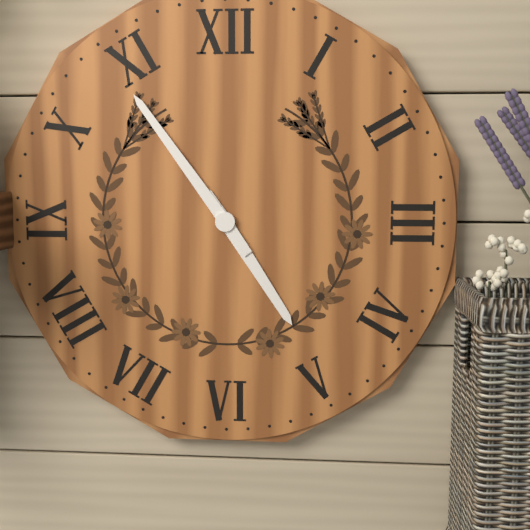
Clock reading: 4h54
